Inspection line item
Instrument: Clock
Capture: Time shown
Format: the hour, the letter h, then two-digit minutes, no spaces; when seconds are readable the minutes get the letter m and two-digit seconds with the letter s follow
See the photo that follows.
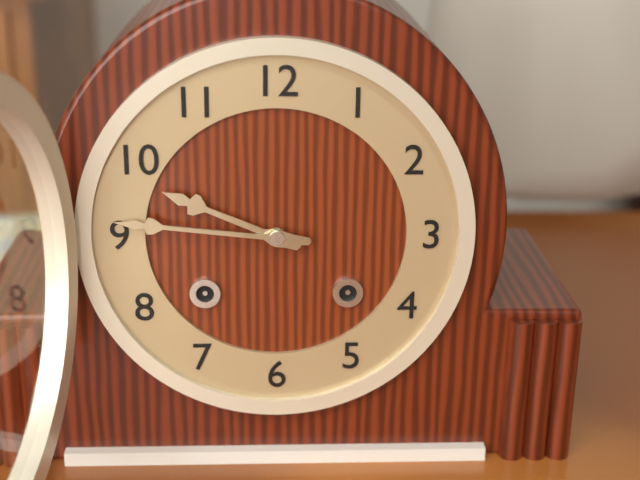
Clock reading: 9h46
